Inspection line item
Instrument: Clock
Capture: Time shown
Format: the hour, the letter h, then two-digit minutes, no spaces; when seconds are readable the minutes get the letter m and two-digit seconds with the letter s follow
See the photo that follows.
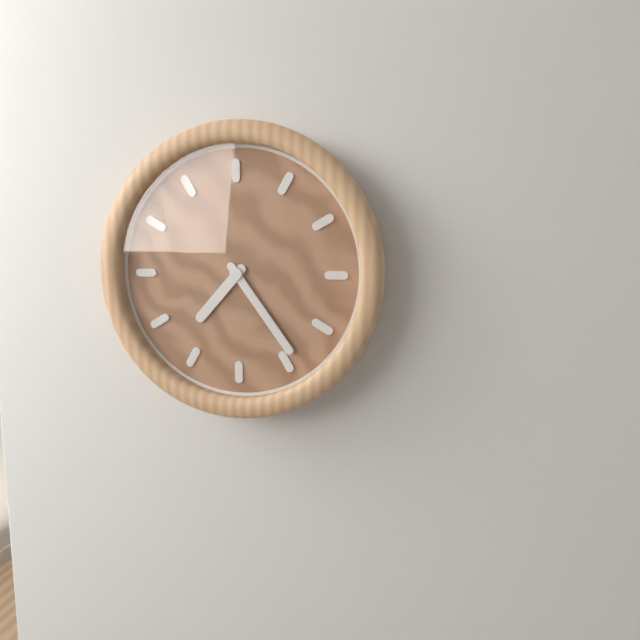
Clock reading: 7h24
